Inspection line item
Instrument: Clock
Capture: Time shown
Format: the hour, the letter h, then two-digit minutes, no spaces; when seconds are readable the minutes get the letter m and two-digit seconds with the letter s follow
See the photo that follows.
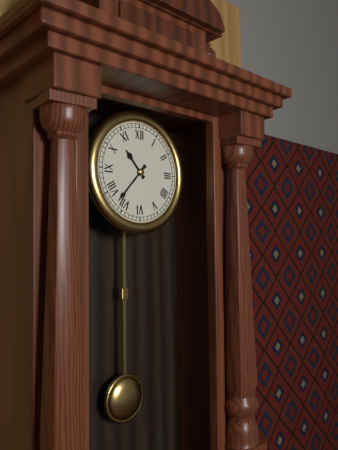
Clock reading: 10h37
